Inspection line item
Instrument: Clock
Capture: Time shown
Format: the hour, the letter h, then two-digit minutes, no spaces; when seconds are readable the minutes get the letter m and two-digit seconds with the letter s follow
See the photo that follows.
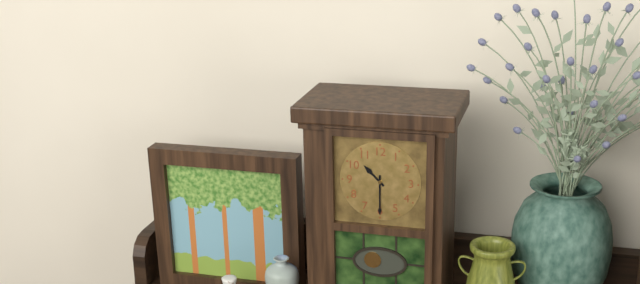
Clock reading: 10h30
